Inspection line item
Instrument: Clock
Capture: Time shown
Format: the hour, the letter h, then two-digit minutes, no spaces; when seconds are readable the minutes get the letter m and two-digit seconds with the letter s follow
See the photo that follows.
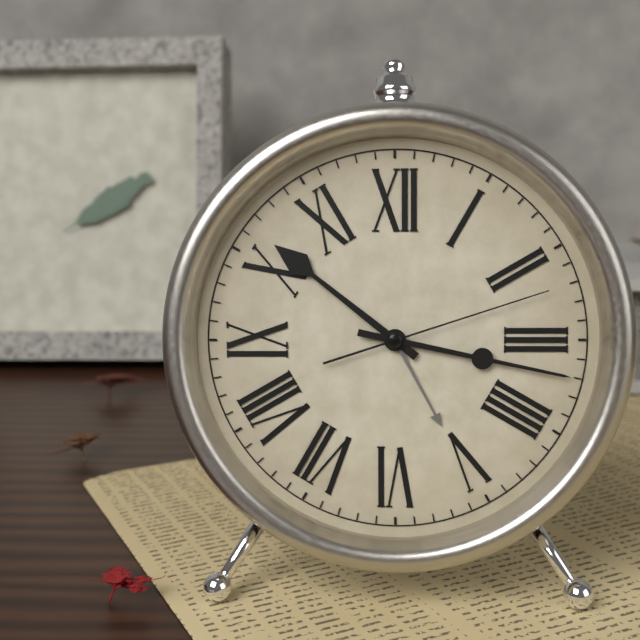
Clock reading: 10h17m12s
